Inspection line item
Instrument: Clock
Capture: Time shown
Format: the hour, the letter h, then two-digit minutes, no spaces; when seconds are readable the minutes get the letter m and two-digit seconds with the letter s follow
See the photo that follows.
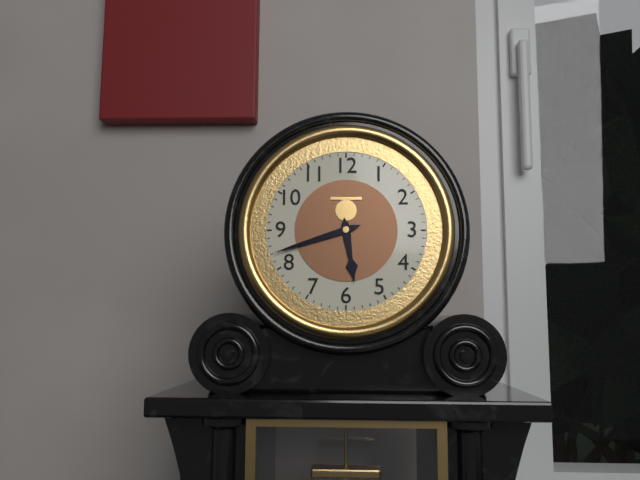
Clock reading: 5h42
